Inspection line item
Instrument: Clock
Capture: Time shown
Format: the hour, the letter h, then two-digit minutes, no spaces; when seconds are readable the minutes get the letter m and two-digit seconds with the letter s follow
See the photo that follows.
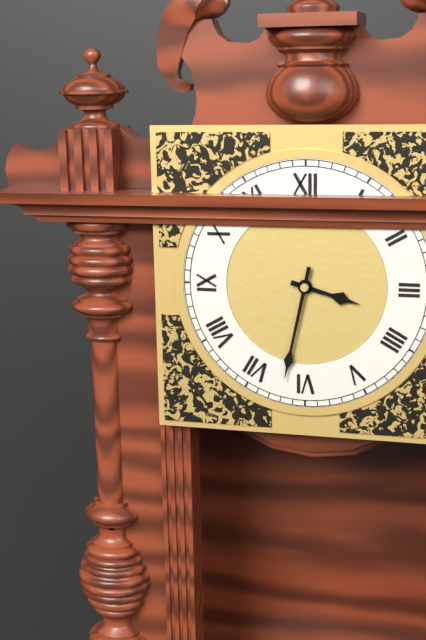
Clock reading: 3h32
